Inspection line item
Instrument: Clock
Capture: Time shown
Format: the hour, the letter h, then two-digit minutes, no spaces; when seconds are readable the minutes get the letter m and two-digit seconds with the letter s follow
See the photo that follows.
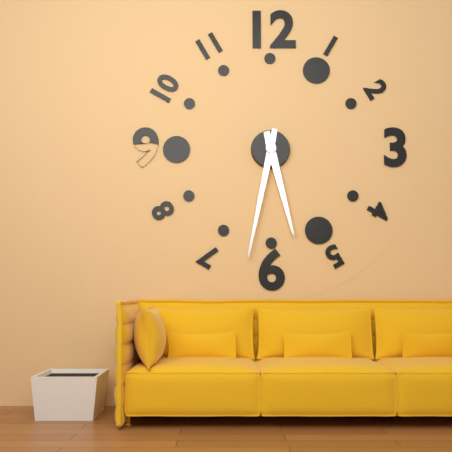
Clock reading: 5h32
